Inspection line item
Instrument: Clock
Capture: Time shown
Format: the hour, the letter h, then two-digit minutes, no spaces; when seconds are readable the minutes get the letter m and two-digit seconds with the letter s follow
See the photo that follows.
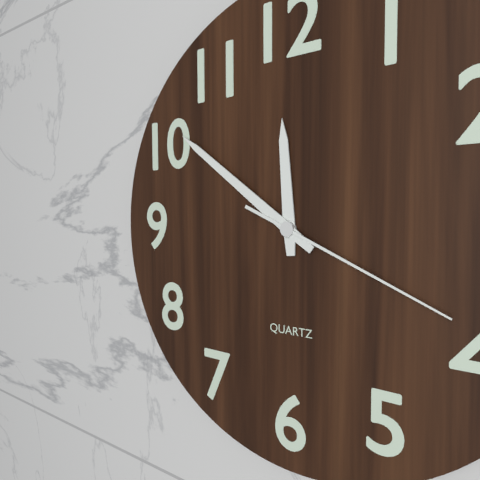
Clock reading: 11h51m19s
